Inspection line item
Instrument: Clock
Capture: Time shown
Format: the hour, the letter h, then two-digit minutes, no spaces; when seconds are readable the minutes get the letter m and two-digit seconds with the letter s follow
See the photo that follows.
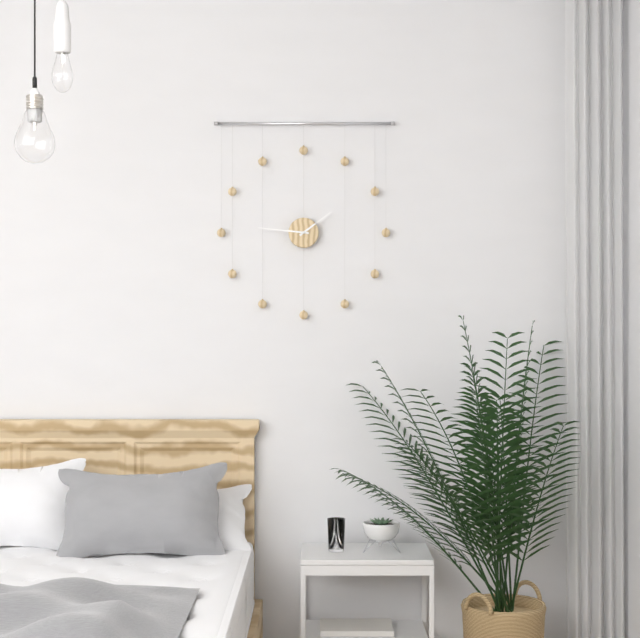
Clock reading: 1h46
